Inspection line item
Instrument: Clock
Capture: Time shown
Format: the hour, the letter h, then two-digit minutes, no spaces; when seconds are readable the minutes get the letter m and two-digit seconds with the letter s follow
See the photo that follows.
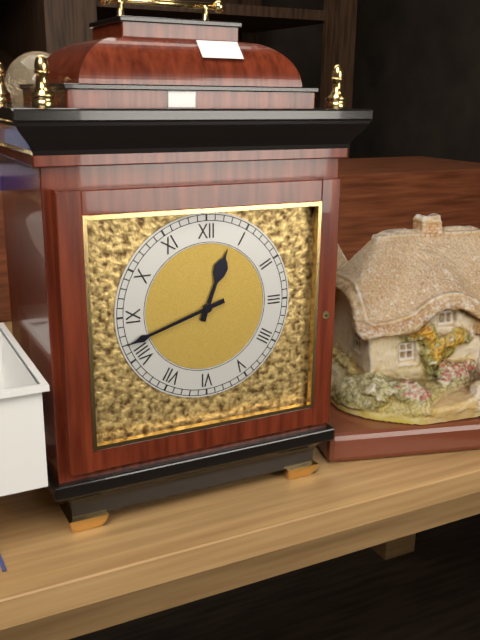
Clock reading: 12h42
